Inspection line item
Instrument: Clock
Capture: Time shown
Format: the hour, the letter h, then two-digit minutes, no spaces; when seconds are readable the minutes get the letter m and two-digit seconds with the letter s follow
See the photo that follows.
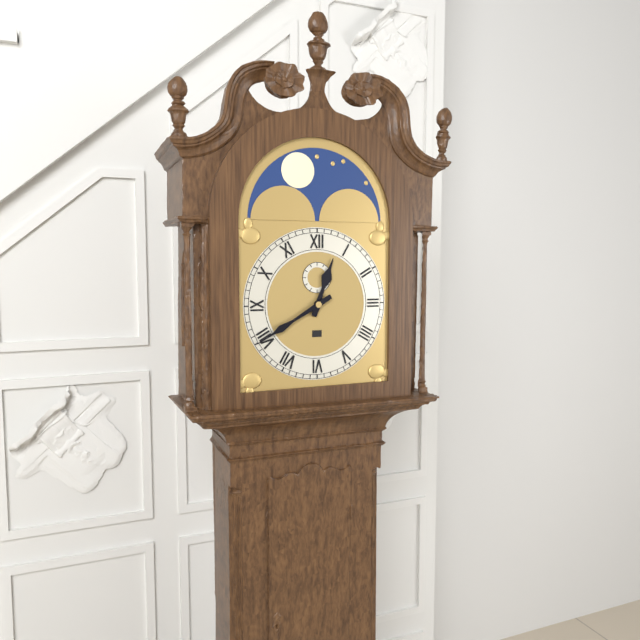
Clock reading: 12h40
